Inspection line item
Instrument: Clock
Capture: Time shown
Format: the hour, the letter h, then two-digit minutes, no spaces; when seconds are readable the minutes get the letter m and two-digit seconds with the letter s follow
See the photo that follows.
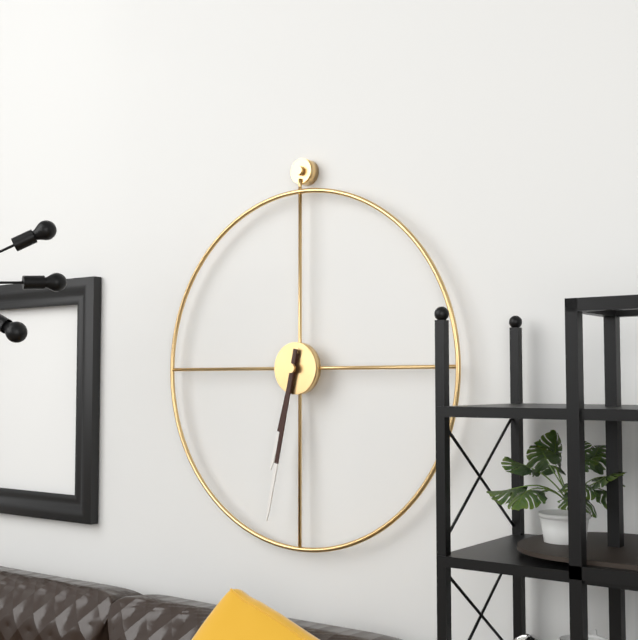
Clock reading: 6h32
